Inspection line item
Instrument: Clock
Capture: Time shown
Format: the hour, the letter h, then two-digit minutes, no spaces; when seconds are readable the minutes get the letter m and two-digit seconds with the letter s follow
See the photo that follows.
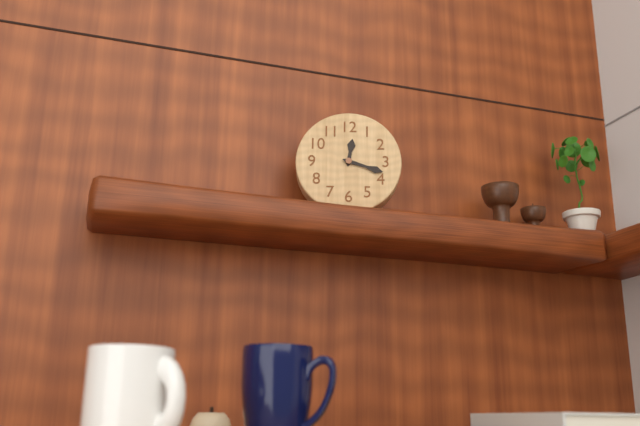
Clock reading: 12h18
